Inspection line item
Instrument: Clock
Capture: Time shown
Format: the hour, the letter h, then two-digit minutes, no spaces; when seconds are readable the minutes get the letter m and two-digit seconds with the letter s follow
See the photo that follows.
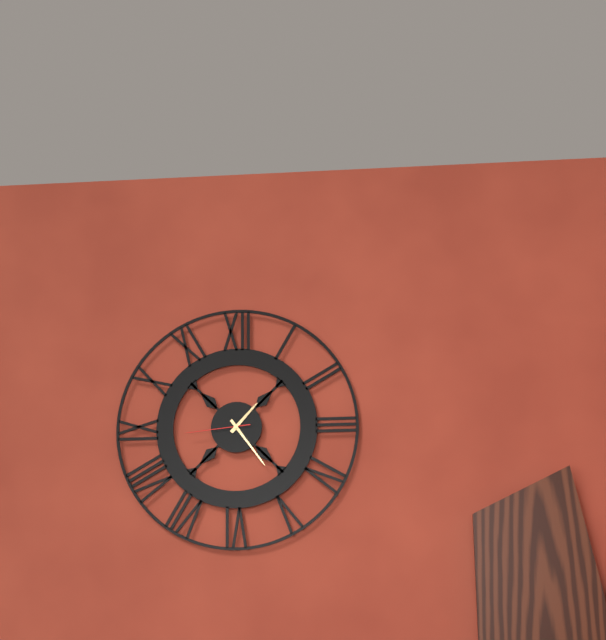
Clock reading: 1h24m44s
